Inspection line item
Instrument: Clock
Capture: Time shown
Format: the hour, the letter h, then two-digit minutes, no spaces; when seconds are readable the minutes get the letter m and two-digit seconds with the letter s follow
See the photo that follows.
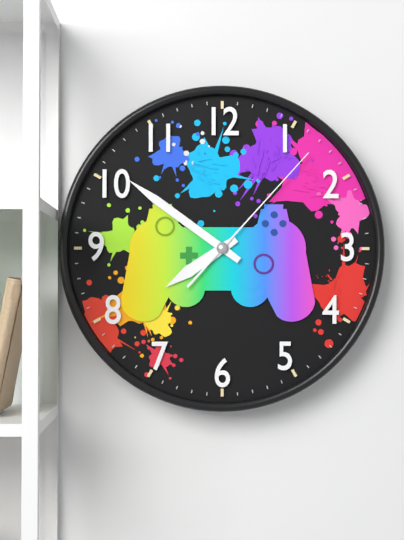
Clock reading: 7h51m07s
